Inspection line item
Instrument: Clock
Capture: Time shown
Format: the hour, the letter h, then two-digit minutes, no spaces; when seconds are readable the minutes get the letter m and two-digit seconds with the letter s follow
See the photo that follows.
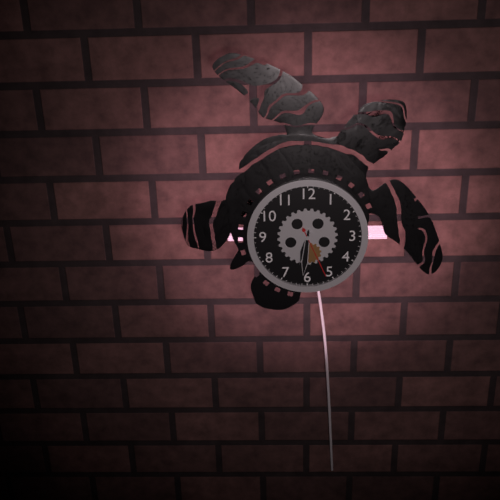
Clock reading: 6h31m26s
